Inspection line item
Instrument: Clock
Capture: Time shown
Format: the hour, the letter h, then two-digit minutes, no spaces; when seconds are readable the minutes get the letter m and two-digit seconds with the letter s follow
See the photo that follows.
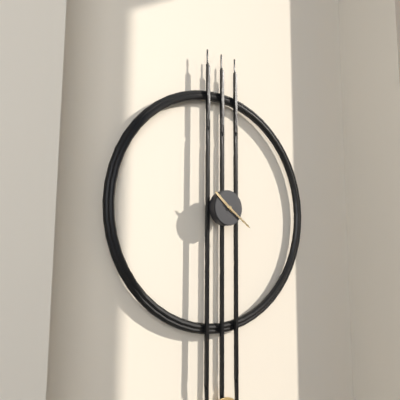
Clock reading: 10h21
